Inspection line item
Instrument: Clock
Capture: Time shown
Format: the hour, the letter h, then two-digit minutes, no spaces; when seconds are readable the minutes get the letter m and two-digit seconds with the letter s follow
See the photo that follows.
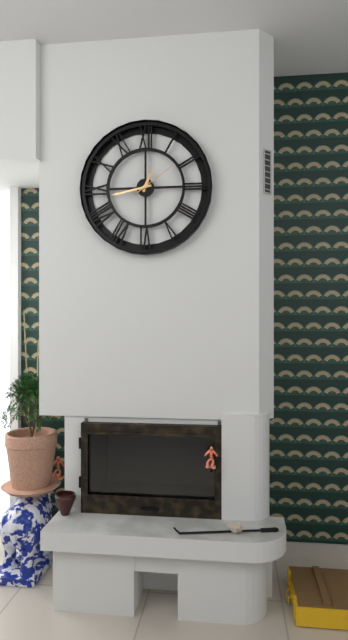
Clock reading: 12h43
